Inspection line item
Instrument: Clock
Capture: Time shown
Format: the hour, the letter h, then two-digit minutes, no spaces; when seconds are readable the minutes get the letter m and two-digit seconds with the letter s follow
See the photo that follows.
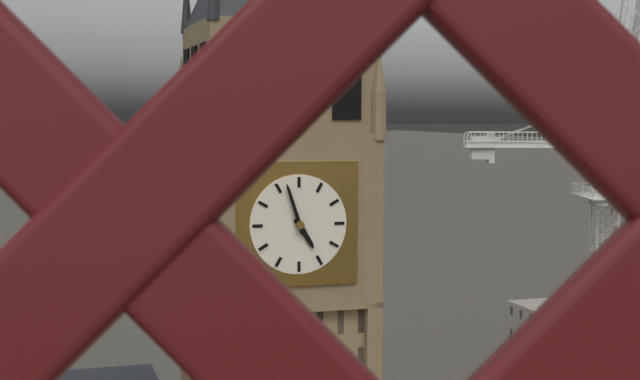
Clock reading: 4h57
